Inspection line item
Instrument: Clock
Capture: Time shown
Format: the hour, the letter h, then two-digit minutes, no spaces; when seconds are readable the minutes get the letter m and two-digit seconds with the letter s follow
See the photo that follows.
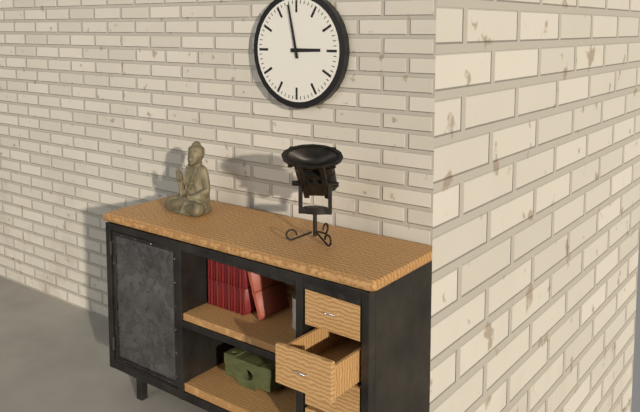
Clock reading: 2h58
